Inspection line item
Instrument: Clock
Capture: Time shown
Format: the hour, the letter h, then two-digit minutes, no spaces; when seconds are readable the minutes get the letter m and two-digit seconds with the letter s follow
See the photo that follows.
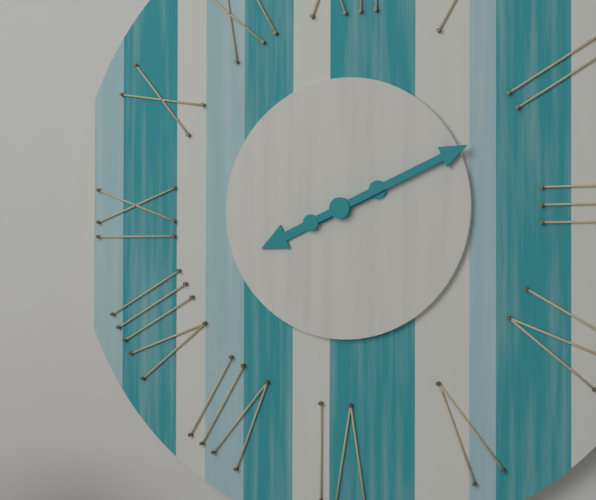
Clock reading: 8h11
